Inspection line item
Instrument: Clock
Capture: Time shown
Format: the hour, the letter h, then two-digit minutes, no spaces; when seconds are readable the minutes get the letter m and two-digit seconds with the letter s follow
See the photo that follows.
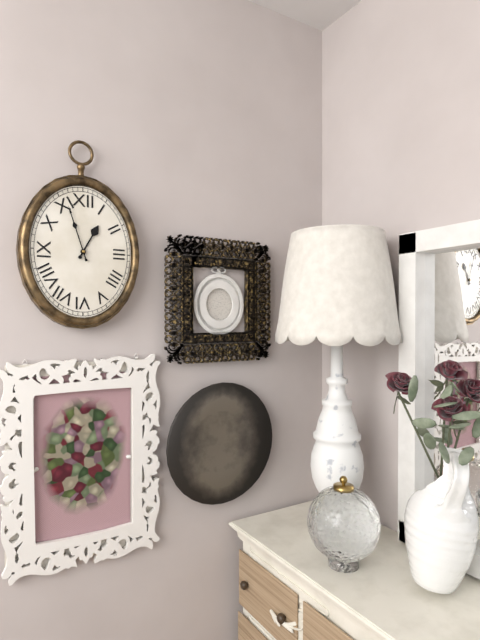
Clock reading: 12h57
